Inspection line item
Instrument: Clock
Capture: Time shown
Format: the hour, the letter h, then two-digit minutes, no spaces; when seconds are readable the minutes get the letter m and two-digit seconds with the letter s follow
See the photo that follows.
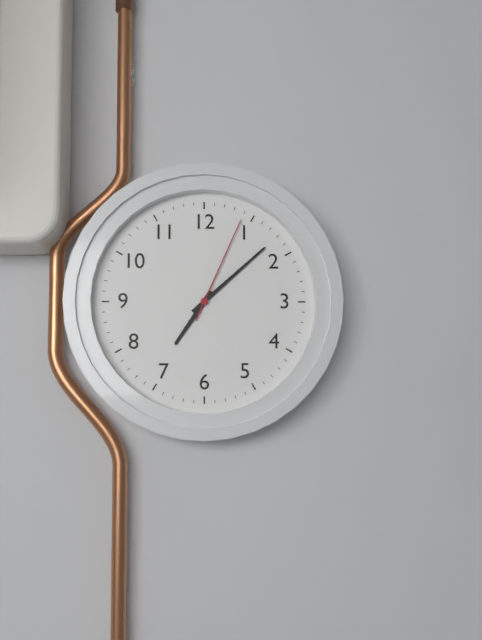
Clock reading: 7h08m04s
